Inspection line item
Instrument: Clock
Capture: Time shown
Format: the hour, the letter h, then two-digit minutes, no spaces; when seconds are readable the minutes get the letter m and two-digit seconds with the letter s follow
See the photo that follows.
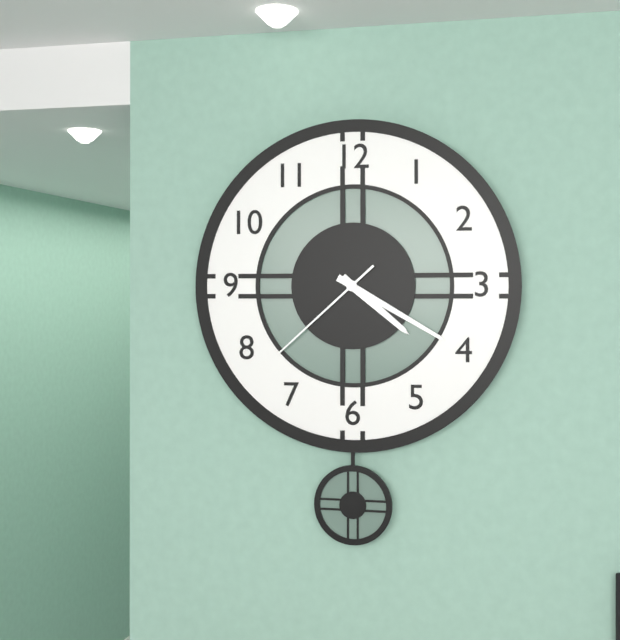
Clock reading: 4h20m38s
